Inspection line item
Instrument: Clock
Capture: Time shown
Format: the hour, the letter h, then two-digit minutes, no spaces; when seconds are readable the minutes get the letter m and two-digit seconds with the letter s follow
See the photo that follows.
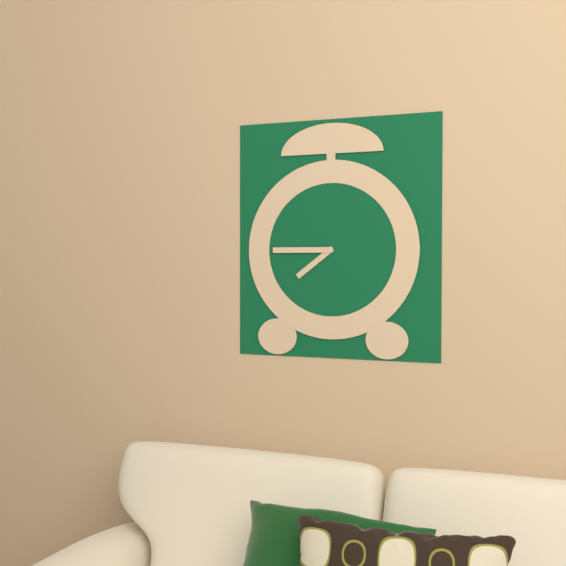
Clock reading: 7h45
